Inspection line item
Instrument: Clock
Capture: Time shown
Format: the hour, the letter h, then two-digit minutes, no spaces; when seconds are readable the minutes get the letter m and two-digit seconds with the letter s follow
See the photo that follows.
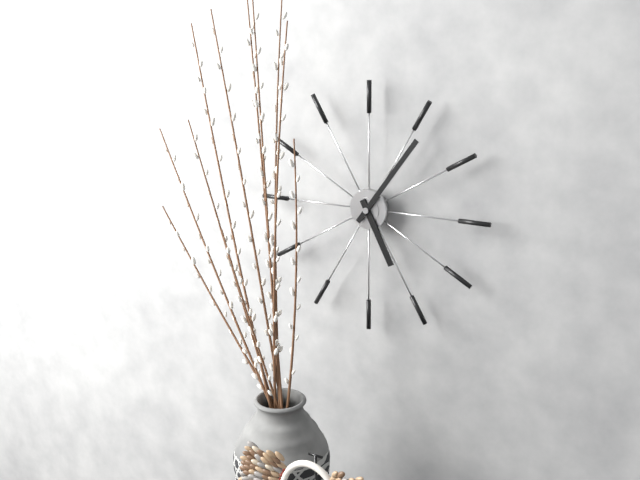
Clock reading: 5h06
